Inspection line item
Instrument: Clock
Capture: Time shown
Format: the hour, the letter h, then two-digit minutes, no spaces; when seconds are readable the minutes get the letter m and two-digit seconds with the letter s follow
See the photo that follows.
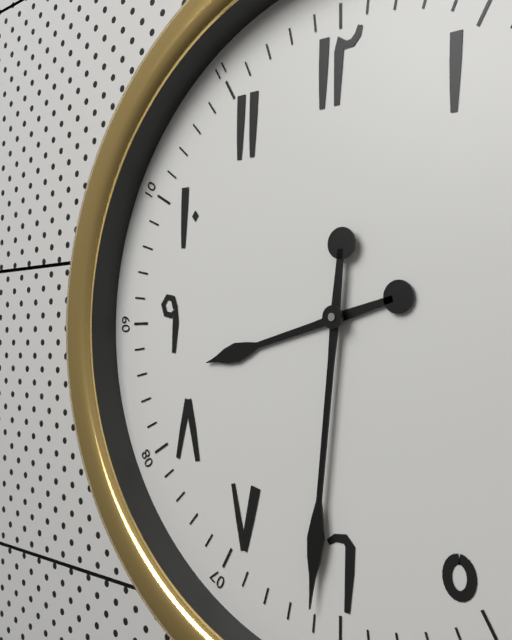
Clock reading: 8h31
